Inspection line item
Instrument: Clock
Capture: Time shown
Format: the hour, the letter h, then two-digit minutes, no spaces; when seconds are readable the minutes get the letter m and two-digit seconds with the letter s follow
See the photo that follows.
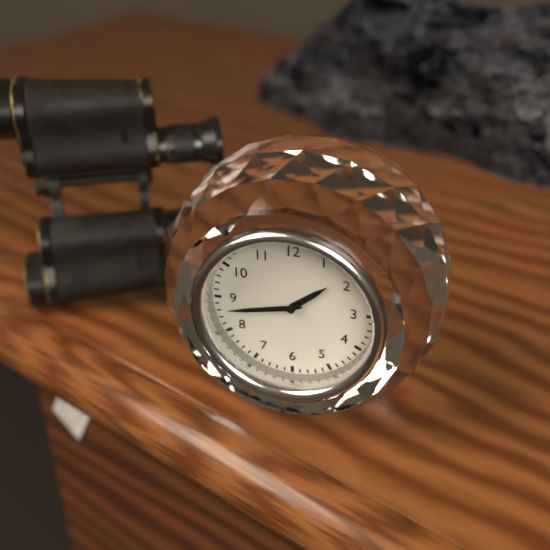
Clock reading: 1h43
